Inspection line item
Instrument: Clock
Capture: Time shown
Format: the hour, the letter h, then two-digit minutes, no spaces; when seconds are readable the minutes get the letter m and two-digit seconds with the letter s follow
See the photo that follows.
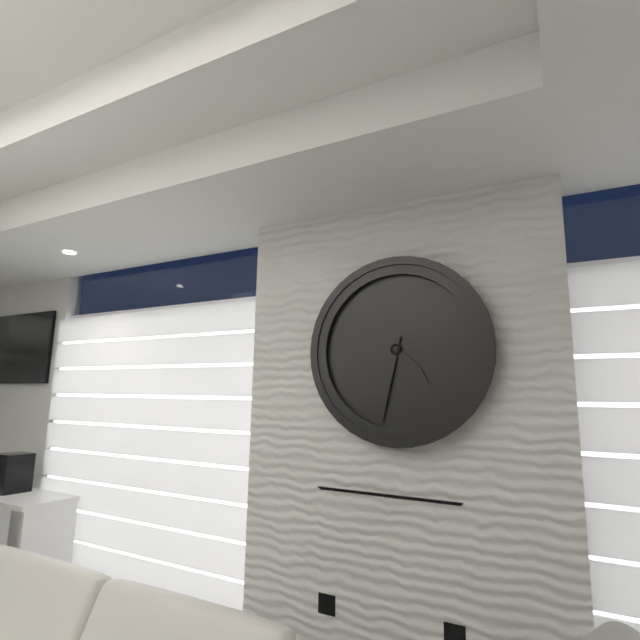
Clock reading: 4h32
